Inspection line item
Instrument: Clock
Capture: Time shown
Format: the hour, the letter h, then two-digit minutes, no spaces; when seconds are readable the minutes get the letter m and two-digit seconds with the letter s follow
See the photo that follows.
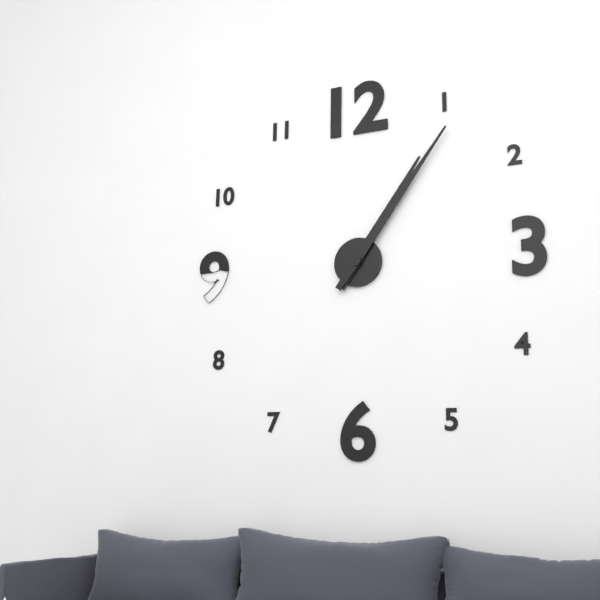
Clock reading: 1h06
